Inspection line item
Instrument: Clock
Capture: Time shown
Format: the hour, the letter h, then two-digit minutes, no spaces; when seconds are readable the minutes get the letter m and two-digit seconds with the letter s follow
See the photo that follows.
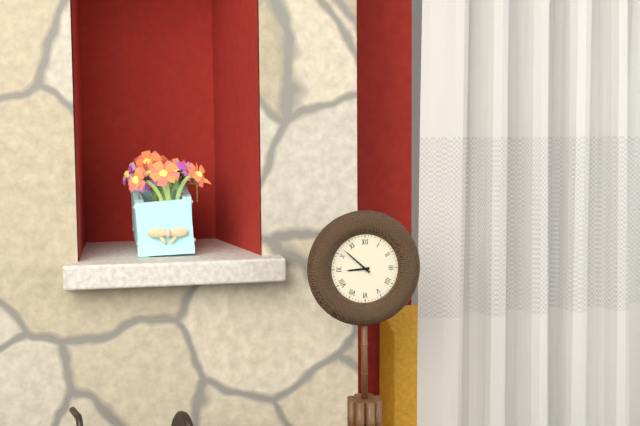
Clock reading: 8h52
